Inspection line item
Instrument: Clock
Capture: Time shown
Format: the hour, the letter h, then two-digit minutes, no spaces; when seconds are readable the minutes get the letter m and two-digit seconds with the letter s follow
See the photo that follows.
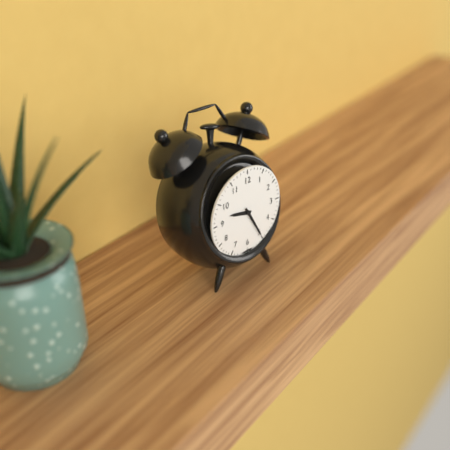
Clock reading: 9h25
